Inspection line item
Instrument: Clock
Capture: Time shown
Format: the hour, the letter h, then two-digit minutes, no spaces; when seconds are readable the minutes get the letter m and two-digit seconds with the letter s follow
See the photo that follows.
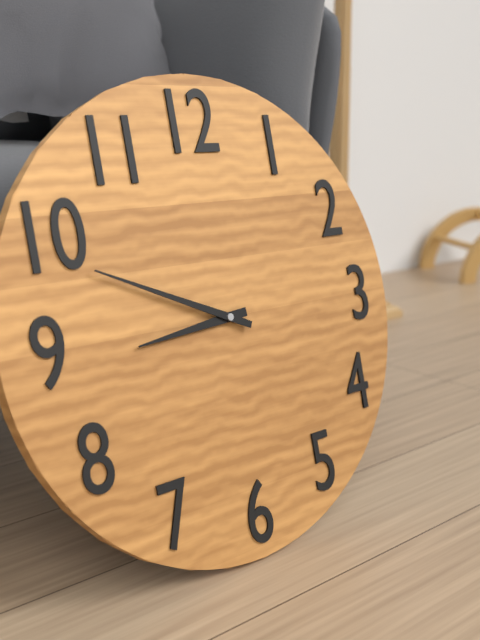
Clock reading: 8h49
